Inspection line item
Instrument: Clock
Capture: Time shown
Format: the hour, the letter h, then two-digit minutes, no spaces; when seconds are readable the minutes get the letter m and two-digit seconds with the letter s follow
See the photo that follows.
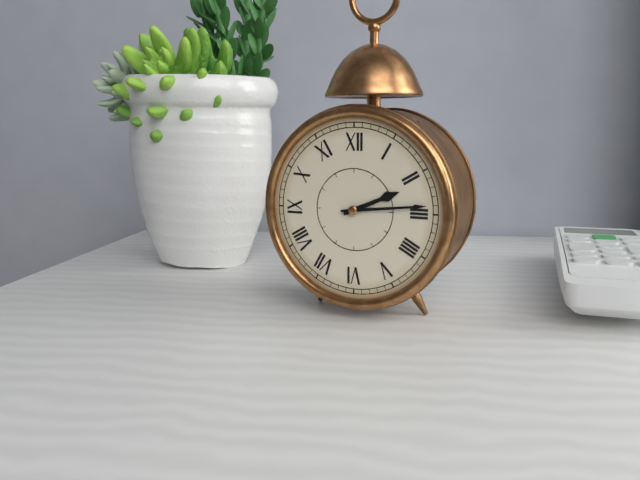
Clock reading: 2h14
